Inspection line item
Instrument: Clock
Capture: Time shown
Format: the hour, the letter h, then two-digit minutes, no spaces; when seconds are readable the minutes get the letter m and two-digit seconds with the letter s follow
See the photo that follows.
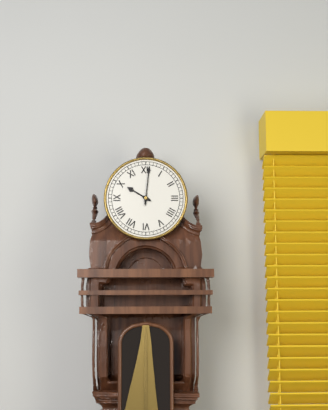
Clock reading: 10h01
